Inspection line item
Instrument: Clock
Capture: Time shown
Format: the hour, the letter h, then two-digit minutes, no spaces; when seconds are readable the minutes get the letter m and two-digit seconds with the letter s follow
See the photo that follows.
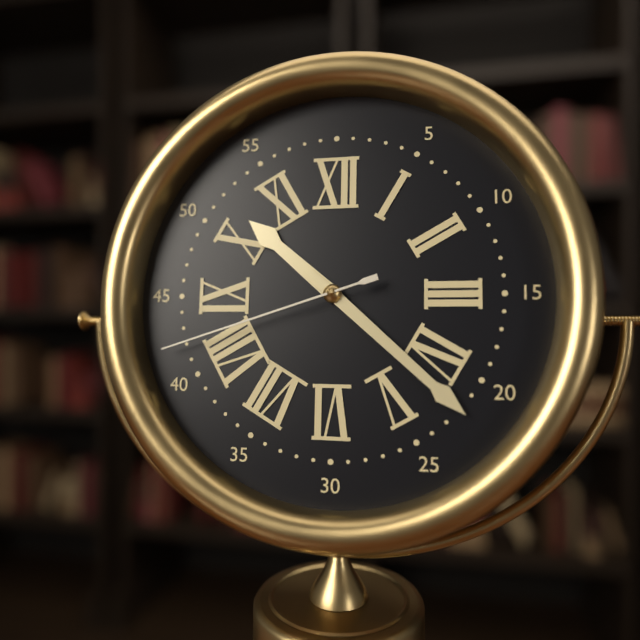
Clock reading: 10h22m42s
